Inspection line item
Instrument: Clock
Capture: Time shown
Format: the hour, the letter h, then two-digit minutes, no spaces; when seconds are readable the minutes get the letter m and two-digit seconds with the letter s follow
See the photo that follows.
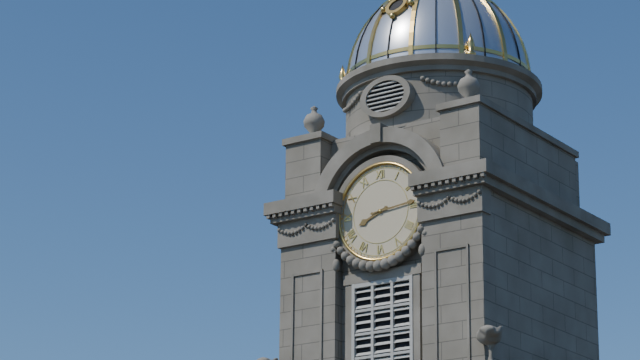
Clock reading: 8h14
